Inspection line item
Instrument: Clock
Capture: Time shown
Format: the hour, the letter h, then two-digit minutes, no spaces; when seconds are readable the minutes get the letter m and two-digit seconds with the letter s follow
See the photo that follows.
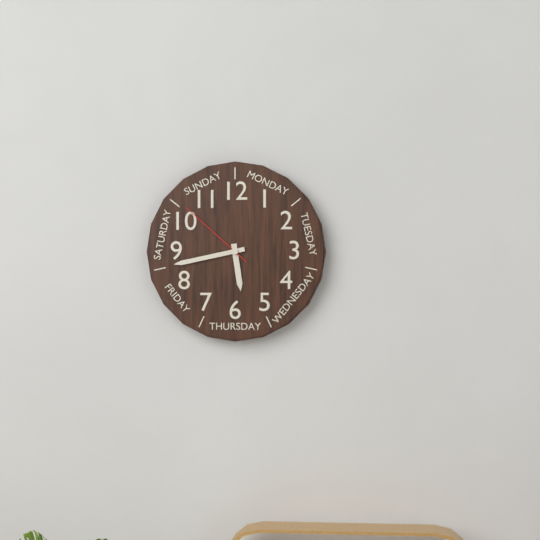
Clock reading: 5h43m52s
